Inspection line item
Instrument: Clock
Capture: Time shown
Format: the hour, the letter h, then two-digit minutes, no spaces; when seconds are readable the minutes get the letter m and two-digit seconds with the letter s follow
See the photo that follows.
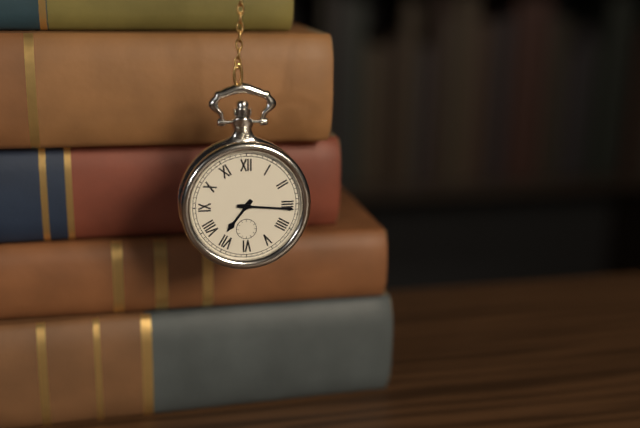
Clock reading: 7h16
